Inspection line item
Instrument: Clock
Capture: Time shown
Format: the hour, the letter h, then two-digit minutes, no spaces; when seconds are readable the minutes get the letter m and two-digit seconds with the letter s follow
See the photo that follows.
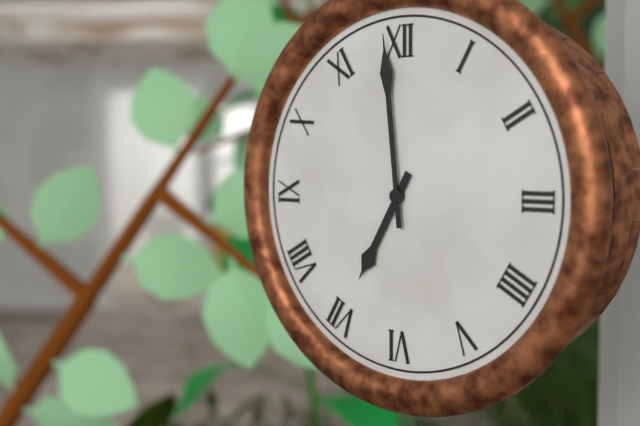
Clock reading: 6h59
